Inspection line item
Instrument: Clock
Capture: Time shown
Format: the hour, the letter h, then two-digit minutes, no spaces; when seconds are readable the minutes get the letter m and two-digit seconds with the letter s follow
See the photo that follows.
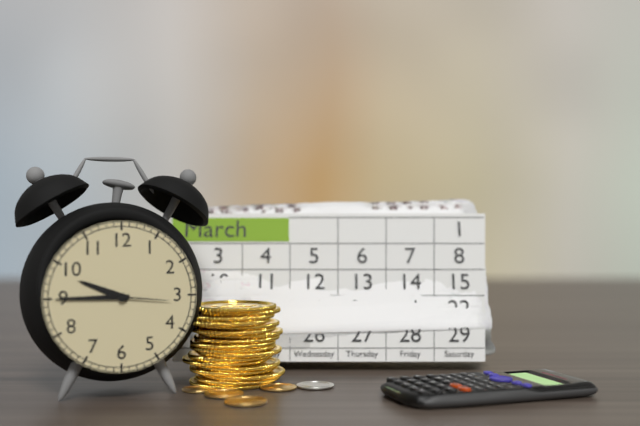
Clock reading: 9h45m16s
